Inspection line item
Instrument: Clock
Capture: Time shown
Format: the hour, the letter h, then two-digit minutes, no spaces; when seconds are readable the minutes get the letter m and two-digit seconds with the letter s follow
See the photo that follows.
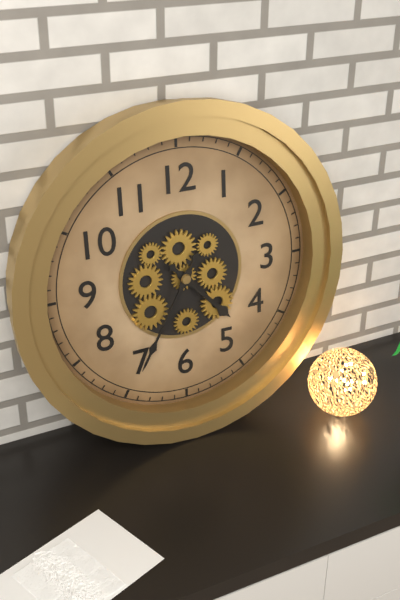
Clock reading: 4h35
